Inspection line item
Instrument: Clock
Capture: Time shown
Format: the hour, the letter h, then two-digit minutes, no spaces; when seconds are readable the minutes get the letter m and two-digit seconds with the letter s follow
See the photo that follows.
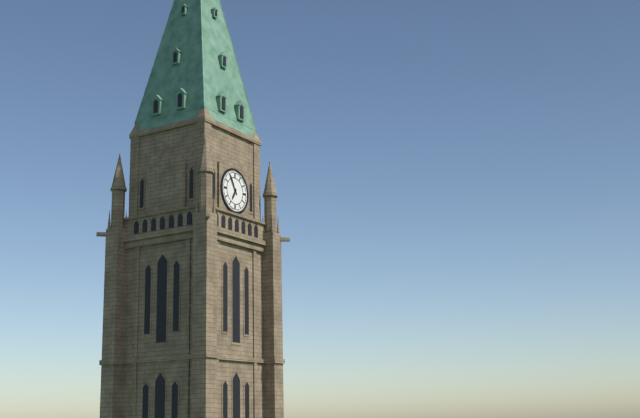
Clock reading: 6h55
